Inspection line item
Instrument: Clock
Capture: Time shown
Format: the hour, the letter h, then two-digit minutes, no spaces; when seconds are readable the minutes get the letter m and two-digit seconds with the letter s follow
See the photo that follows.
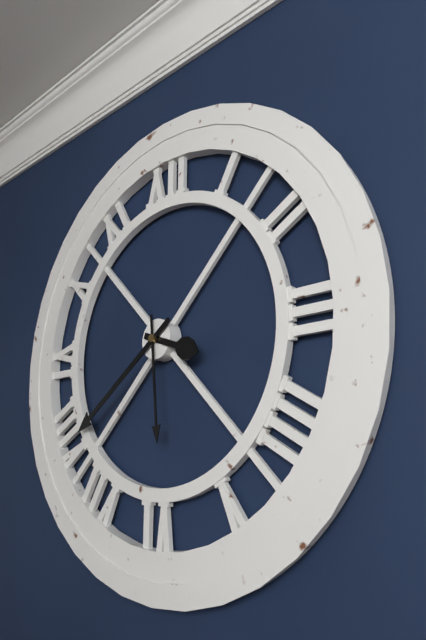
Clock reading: 3h39m29s
